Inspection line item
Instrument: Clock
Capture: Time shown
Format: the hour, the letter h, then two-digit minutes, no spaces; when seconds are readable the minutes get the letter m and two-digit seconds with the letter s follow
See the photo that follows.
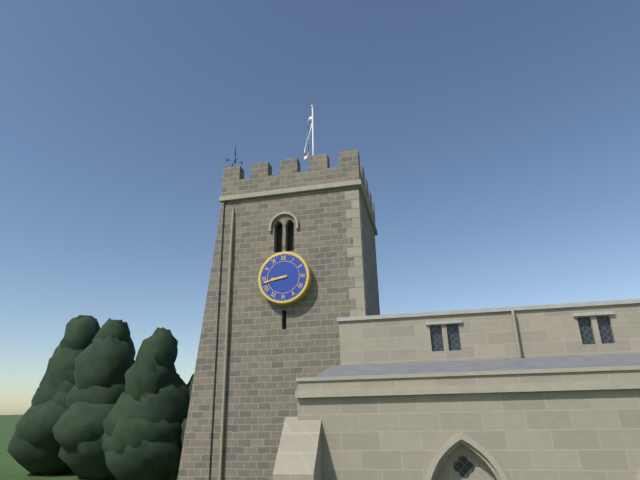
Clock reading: 8h43
